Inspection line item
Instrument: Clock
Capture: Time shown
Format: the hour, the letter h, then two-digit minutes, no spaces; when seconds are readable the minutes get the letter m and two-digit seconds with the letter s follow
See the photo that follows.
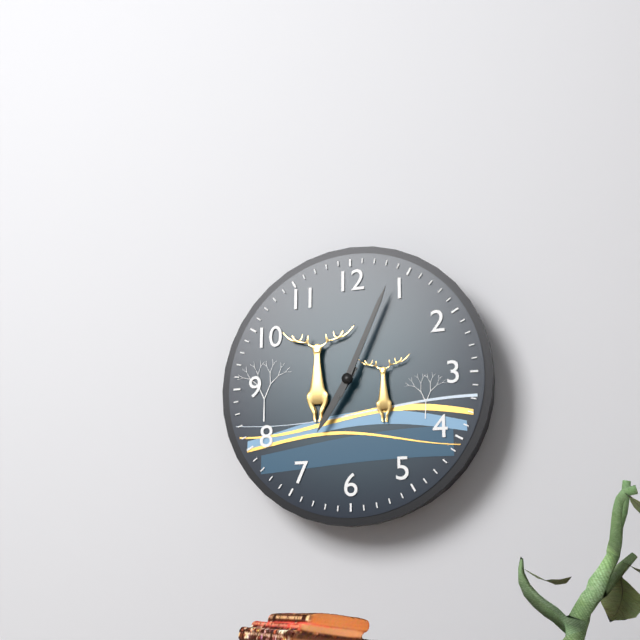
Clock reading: 7h04
